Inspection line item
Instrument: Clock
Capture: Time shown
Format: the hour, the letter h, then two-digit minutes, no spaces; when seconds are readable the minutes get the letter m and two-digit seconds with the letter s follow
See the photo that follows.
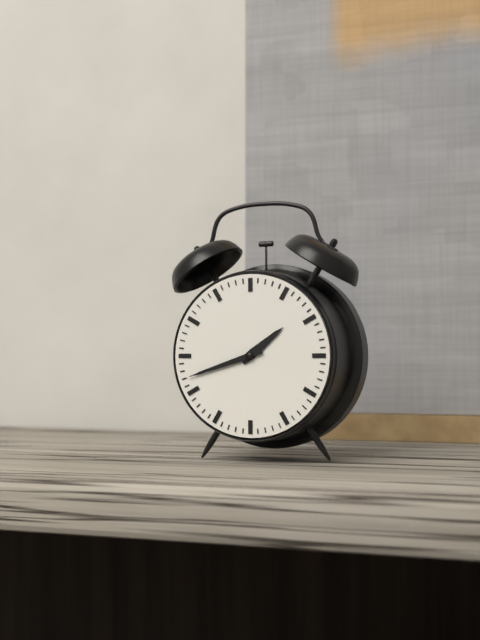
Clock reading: 1h42
